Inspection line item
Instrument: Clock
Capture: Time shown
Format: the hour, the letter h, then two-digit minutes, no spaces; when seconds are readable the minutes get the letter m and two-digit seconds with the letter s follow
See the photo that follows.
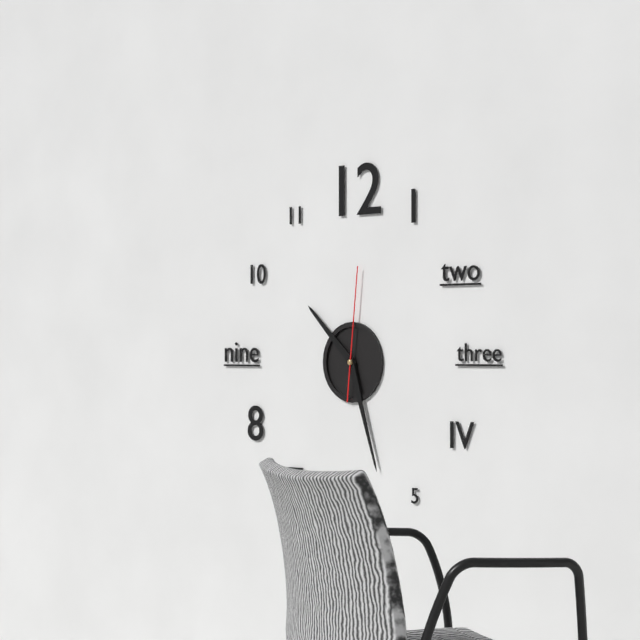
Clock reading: 10h27m01s
